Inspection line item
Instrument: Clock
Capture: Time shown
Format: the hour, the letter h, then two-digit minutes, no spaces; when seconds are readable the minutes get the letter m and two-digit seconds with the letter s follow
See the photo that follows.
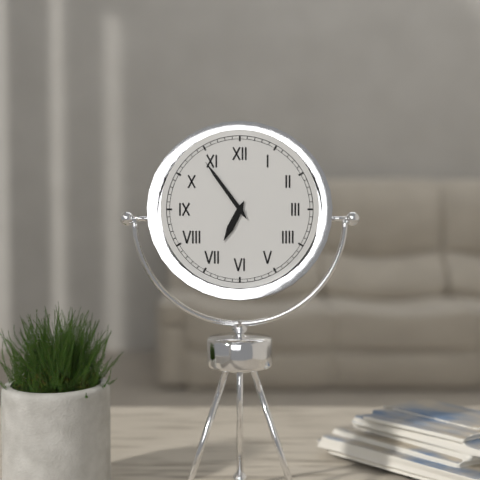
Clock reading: 6h54
